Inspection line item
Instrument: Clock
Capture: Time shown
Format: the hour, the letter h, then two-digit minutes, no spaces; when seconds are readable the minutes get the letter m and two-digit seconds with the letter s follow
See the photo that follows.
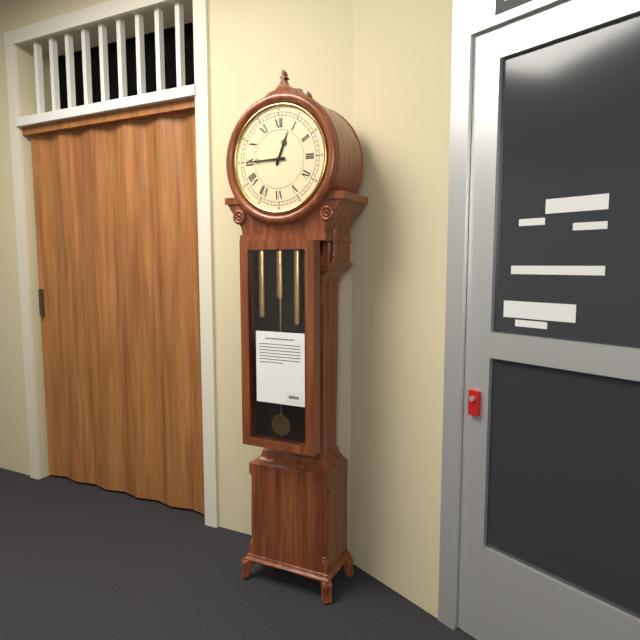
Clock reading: 12h45
